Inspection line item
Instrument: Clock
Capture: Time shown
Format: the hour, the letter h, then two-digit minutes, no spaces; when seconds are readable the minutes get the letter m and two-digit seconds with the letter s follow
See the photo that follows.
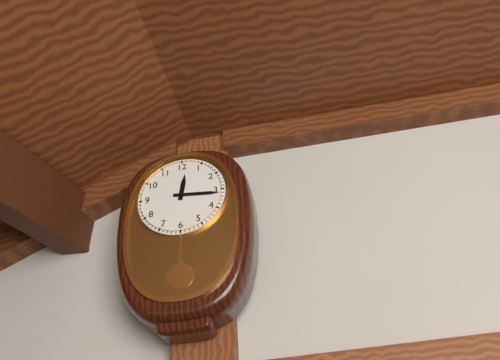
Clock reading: 12h16
